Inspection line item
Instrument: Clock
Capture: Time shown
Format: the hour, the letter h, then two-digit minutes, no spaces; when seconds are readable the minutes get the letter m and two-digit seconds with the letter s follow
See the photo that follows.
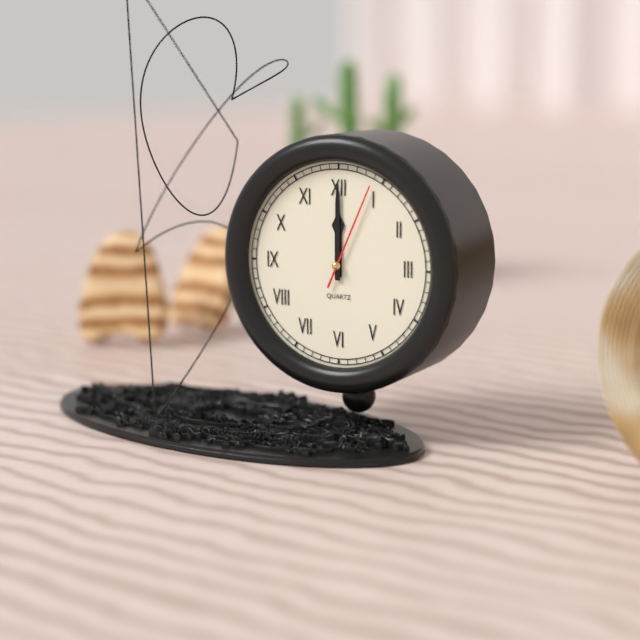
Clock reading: 12h00m04s
